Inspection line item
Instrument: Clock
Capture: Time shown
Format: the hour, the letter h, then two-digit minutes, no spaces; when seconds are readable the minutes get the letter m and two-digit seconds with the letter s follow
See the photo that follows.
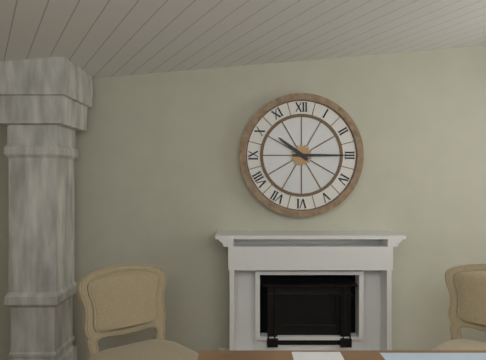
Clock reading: 10h15
